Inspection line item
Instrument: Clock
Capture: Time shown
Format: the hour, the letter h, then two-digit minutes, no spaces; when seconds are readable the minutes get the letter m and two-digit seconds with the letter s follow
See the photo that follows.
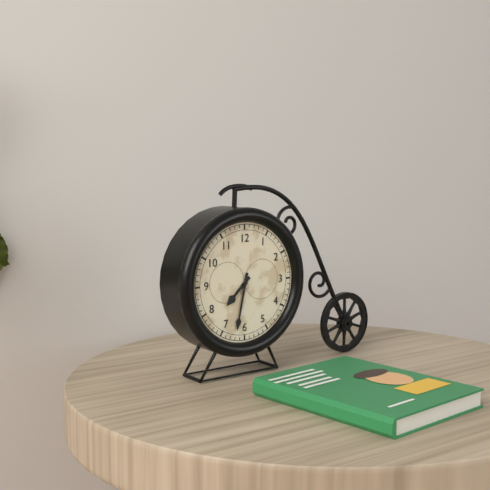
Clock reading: 7h32
